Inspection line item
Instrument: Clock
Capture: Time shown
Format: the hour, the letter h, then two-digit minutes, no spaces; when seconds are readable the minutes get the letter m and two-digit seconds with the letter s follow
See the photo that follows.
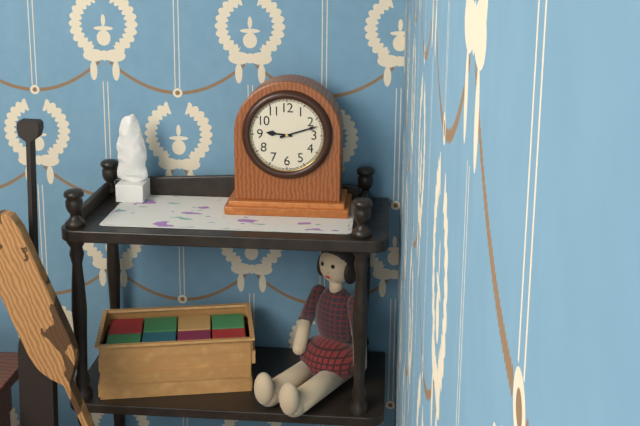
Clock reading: 9h12
